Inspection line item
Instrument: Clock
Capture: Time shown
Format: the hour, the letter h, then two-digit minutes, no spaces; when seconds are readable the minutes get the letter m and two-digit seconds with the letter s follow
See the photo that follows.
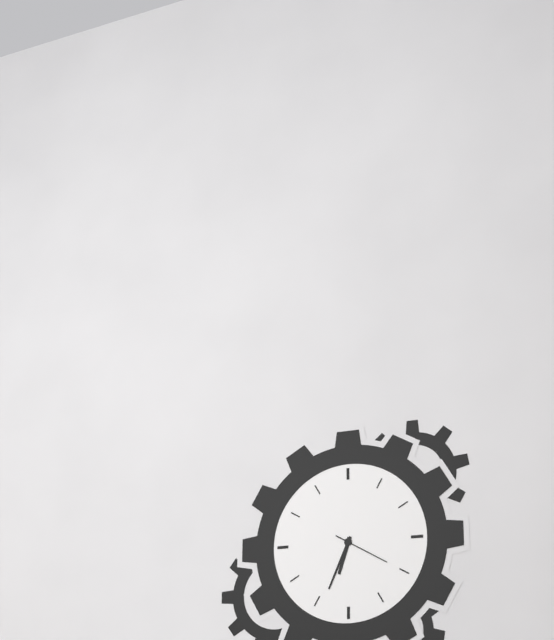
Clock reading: 6h34m20s
